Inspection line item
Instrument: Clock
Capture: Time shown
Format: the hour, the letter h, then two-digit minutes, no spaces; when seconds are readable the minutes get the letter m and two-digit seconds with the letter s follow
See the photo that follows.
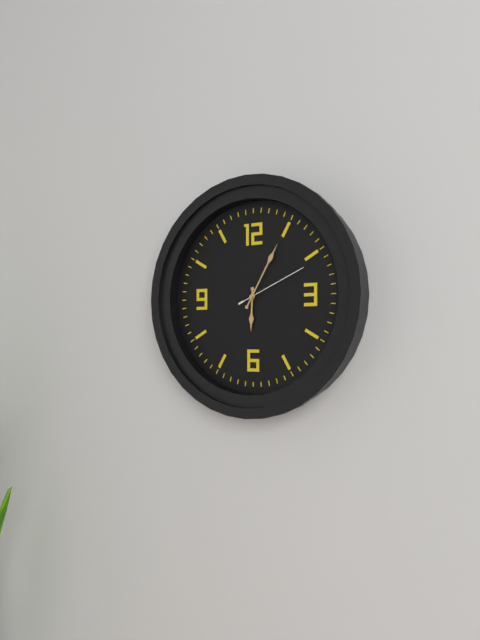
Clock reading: 6h05m11s
